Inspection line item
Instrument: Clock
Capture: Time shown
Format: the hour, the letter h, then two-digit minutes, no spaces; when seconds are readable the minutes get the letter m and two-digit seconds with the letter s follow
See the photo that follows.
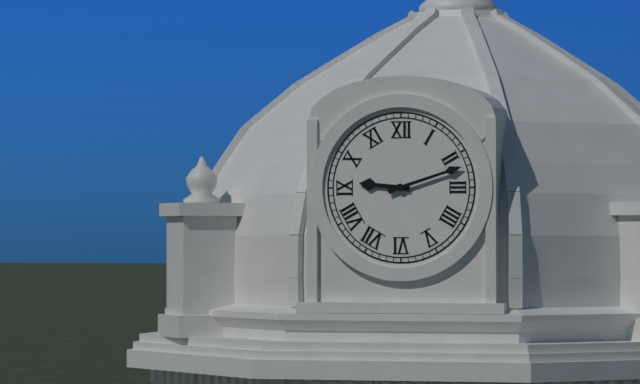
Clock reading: 9h12
